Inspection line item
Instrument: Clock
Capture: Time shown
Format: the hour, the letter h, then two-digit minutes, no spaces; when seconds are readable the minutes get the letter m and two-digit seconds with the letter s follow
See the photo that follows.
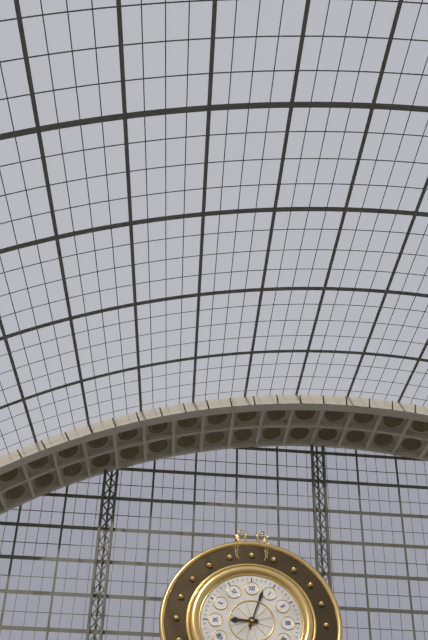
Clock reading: 9h03
